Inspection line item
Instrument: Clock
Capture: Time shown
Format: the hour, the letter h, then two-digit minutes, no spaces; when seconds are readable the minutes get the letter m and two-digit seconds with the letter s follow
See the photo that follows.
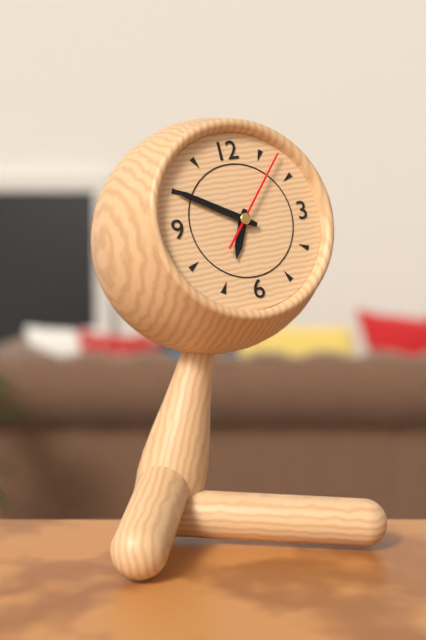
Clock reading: 6h50m07s
